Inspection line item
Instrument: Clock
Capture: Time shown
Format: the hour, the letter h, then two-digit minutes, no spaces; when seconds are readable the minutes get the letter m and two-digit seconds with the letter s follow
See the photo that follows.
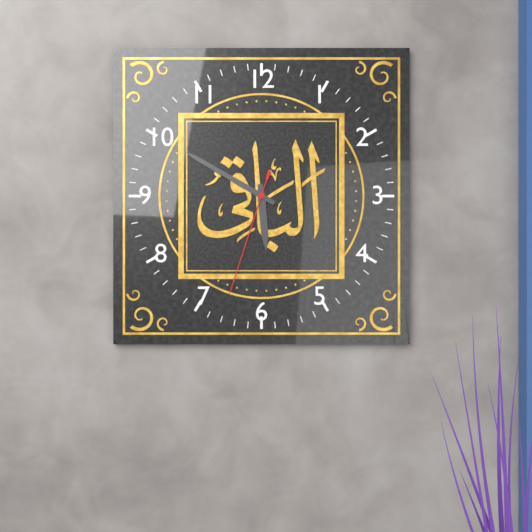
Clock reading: 5h50m33s
